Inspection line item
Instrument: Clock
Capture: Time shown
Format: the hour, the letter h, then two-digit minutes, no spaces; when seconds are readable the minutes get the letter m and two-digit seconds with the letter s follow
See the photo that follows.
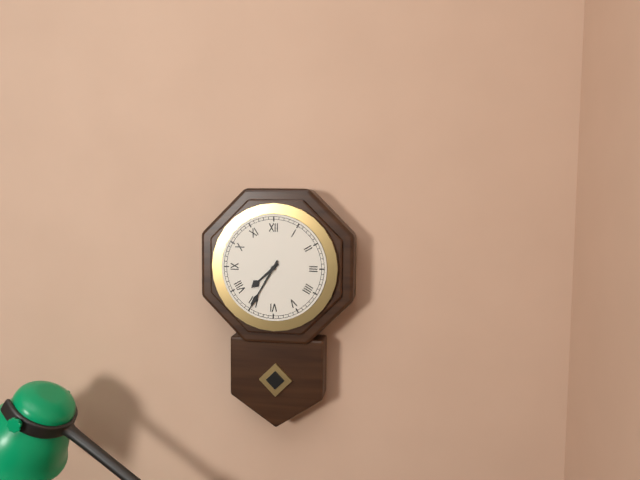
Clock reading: 7h35
